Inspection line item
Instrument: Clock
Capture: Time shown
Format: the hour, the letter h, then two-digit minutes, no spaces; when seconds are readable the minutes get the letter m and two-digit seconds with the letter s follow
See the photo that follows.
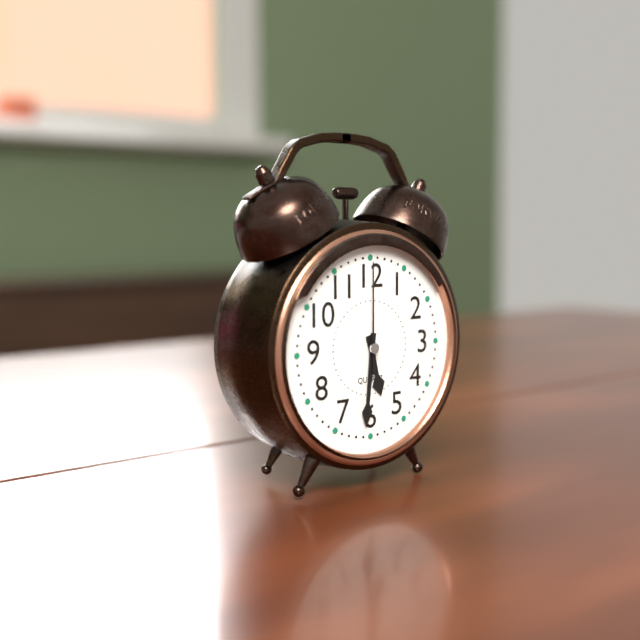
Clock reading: 5h31m00s
